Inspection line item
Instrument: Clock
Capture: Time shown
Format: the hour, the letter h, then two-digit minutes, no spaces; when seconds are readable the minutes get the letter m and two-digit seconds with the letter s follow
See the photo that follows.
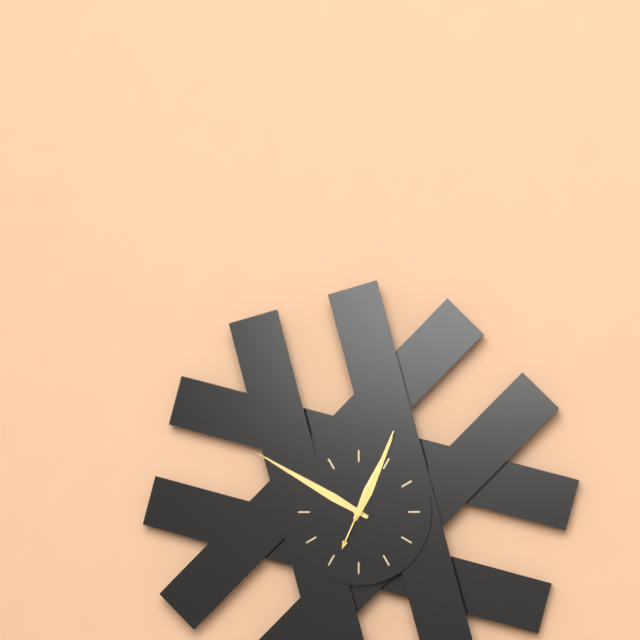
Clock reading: 12h50m04s
